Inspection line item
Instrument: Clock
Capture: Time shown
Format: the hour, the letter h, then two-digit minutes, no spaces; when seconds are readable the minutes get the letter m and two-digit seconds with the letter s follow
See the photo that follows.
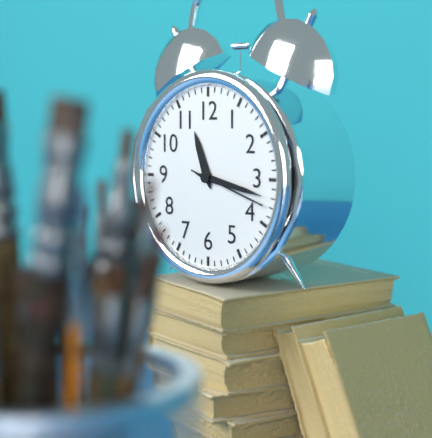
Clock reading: 11h17m18s
